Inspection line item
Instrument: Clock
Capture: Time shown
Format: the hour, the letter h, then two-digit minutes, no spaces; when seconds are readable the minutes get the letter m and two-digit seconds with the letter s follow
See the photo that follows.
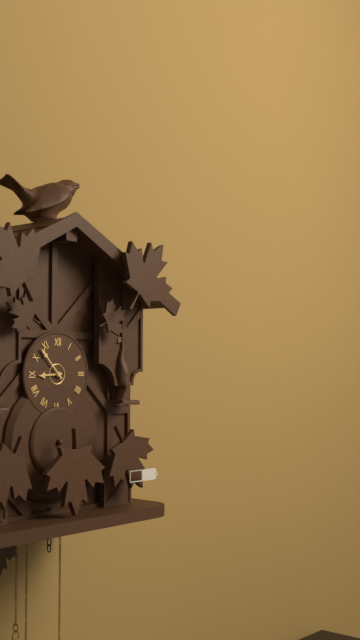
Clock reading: 8h53
